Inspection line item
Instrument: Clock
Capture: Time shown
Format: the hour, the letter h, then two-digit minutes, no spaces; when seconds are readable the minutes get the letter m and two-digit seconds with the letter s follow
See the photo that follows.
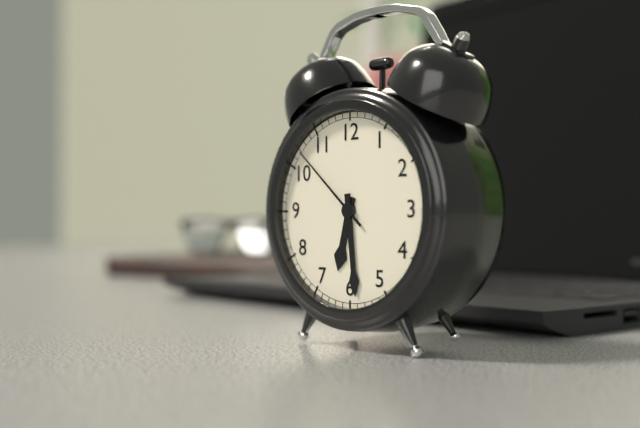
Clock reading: 6h29m52s
